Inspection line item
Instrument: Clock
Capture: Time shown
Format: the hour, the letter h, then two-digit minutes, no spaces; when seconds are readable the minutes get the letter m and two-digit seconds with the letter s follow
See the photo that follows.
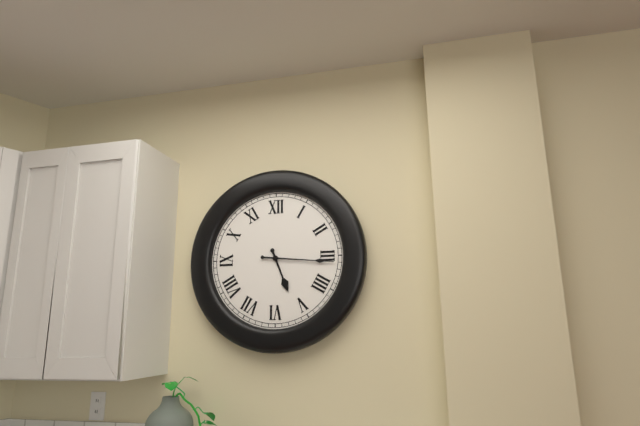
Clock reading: 5h16
